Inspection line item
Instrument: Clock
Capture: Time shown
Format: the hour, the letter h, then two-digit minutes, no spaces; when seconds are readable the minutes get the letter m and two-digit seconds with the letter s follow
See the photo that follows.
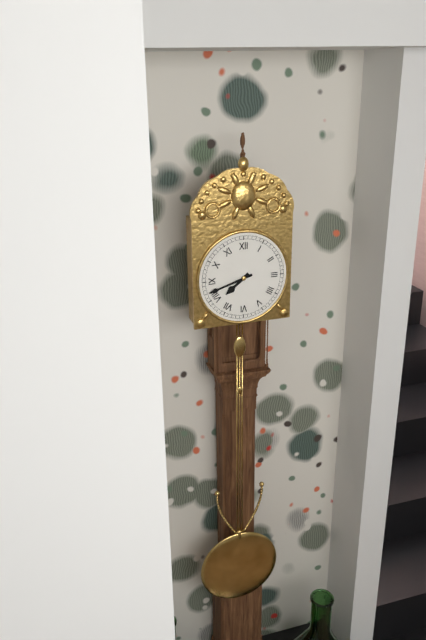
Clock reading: 7h42
